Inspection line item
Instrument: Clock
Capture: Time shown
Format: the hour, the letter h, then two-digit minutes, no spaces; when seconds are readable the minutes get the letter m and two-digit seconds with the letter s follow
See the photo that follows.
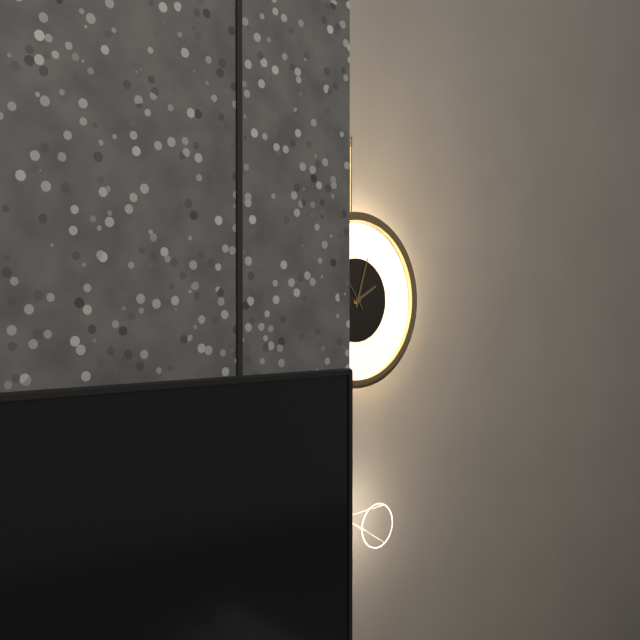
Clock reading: 2h03
